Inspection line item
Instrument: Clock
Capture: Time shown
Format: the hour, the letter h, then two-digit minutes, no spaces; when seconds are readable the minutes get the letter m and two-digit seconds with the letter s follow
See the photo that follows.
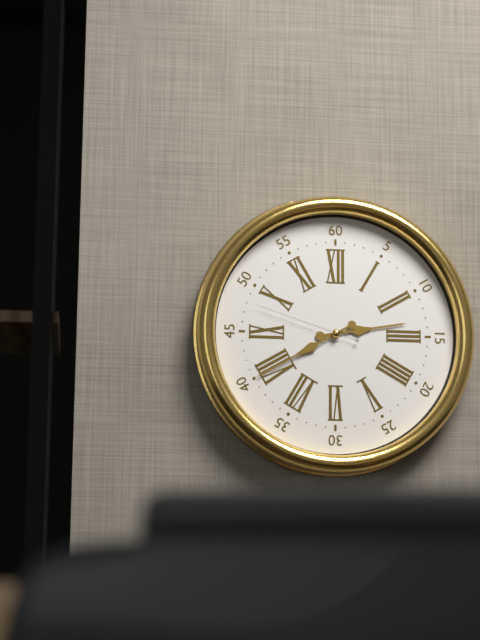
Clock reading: 2h40m48s
